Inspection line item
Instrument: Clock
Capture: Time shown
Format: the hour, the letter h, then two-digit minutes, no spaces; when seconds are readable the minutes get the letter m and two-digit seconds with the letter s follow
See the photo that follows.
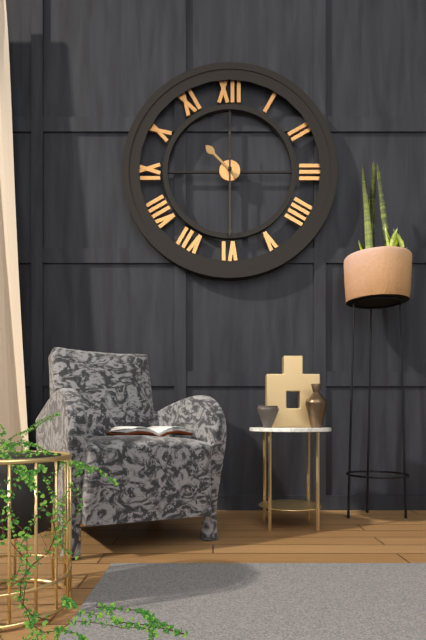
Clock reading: 10h30
